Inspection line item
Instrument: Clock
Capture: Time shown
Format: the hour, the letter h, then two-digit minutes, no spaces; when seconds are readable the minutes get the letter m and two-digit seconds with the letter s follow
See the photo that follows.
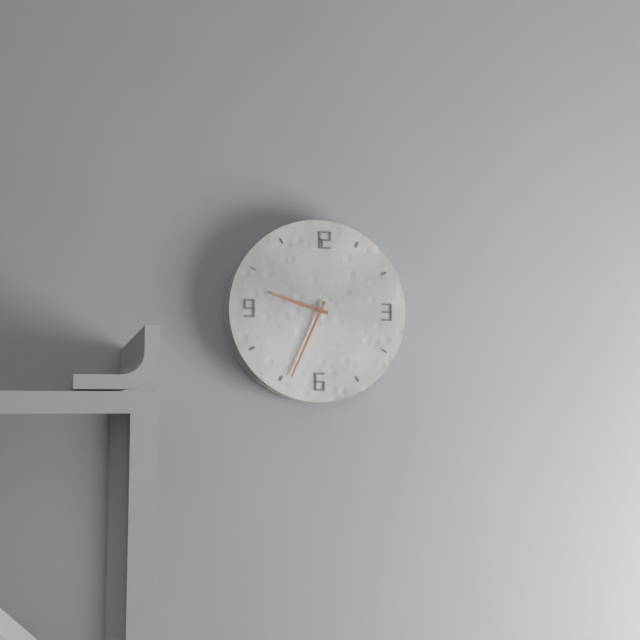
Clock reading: 9h34
